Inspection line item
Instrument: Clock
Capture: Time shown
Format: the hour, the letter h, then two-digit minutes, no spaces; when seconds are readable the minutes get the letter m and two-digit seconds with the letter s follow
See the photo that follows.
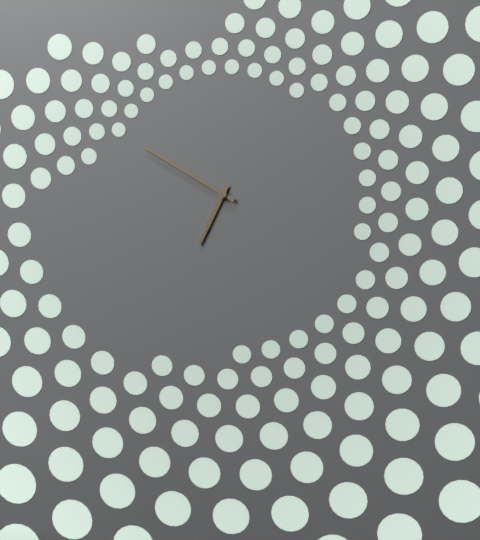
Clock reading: 6h50
